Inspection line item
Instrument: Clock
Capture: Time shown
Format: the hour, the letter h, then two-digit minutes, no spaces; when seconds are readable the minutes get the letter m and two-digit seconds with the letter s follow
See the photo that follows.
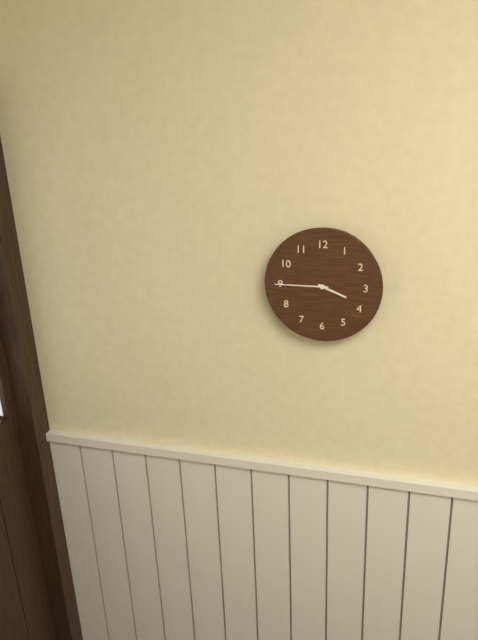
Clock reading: 3h45
